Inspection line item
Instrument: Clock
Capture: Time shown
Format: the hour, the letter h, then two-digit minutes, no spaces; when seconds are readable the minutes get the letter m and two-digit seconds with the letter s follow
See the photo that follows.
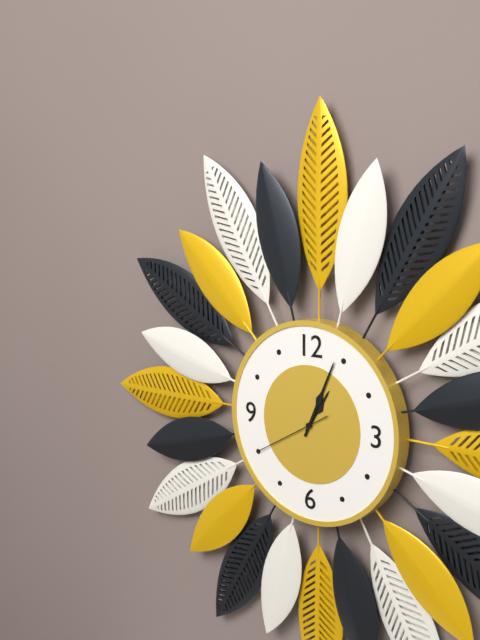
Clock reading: 1h04m40s
